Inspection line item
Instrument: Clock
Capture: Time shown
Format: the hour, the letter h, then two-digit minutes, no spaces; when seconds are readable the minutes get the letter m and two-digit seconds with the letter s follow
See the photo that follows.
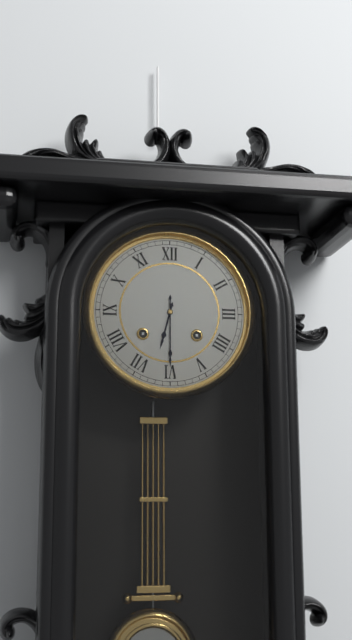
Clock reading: 6h30
